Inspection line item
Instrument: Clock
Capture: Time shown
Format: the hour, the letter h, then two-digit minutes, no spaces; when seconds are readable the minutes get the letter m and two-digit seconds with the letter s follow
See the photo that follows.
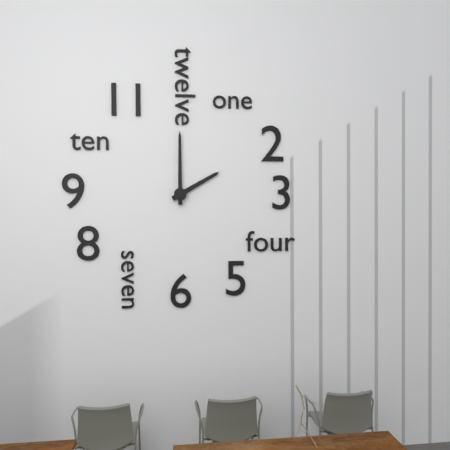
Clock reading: 2h00
